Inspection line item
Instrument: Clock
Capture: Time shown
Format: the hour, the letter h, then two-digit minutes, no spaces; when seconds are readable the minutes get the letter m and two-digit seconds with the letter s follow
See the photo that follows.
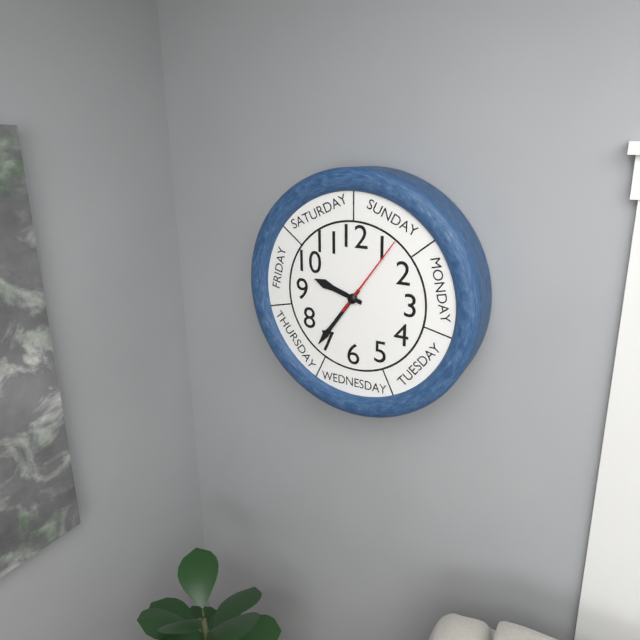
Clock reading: 9h36m06s
